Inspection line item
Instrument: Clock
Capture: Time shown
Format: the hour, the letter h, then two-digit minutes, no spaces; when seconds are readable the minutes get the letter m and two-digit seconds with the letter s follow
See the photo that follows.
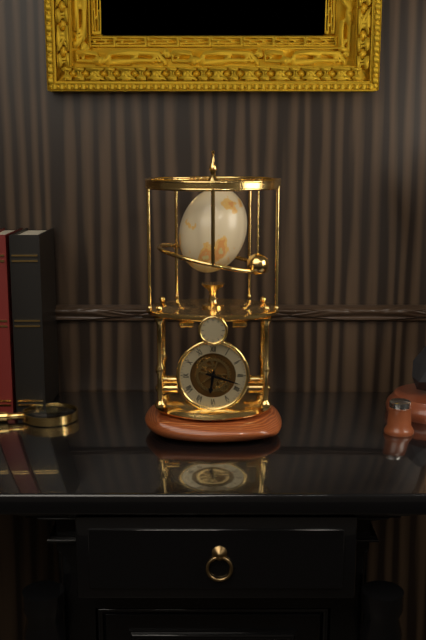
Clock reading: 6h18
